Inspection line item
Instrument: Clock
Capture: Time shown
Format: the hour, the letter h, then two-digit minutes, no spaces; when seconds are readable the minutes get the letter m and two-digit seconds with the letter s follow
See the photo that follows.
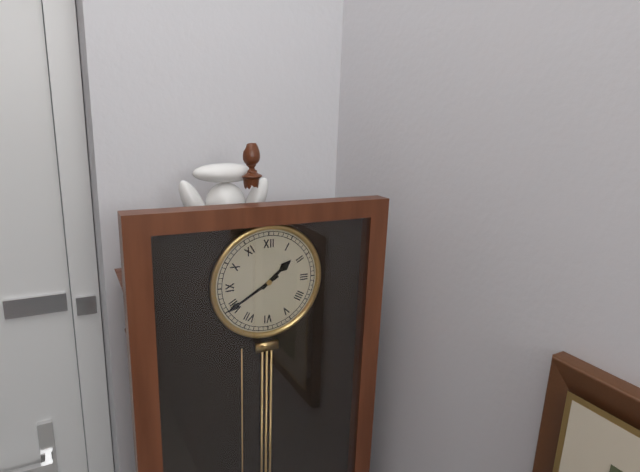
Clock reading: 1h40
